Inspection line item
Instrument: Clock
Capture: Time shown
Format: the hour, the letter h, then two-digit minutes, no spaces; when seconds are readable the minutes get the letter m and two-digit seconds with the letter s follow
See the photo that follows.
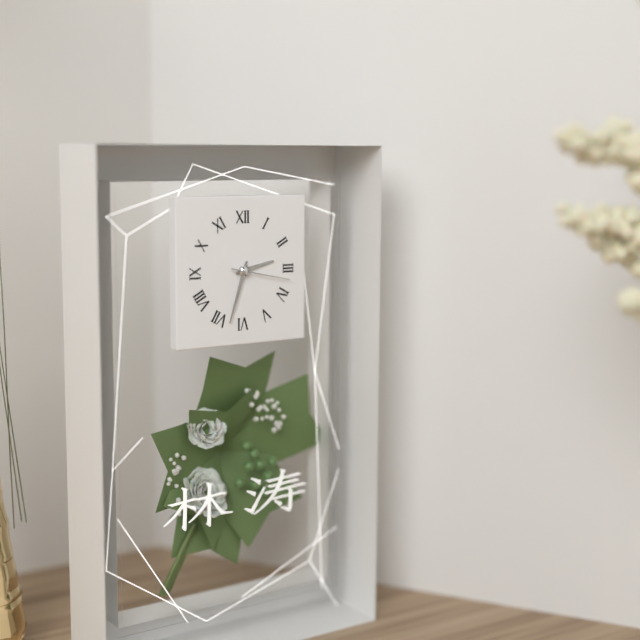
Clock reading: 2h33m17s
